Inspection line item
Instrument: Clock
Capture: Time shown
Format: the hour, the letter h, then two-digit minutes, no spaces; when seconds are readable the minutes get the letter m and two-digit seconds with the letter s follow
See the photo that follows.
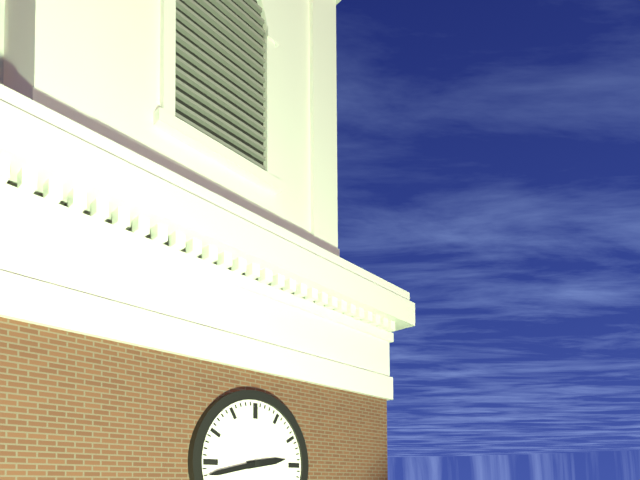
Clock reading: 2h43
